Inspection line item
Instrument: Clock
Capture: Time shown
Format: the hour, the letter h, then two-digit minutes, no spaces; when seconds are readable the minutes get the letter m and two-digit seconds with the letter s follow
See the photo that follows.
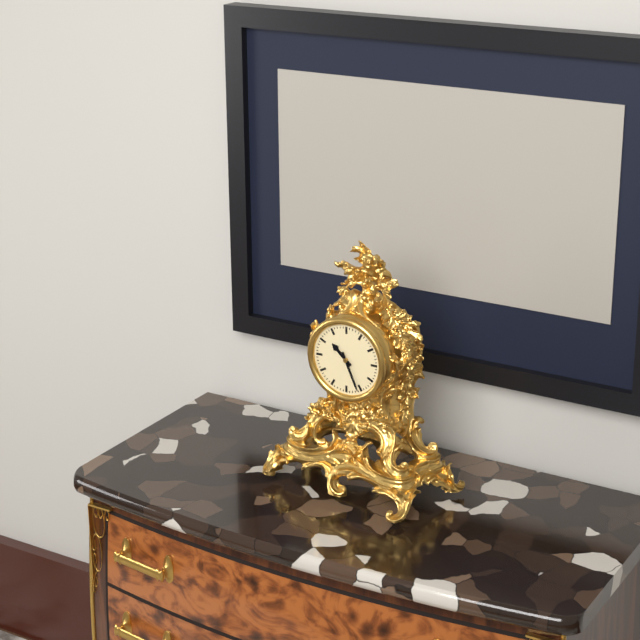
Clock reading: 10h26
